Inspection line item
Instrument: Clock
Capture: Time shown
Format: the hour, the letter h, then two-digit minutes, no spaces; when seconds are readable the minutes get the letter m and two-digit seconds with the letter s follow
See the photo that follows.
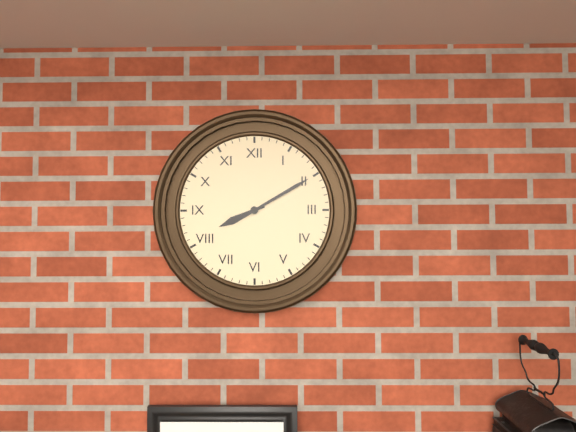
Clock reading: 8h10
